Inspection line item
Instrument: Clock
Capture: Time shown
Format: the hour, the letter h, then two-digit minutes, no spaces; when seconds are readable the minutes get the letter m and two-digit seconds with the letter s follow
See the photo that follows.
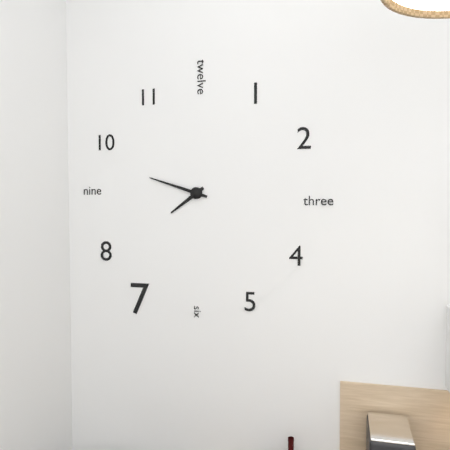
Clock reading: 7h48
